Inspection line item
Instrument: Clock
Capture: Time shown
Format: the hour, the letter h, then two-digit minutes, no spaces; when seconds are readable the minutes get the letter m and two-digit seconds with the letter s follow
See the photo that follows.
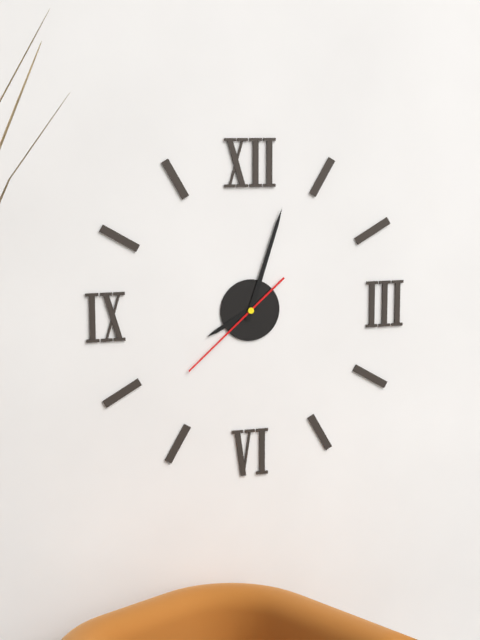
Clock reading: 8h03m38s
